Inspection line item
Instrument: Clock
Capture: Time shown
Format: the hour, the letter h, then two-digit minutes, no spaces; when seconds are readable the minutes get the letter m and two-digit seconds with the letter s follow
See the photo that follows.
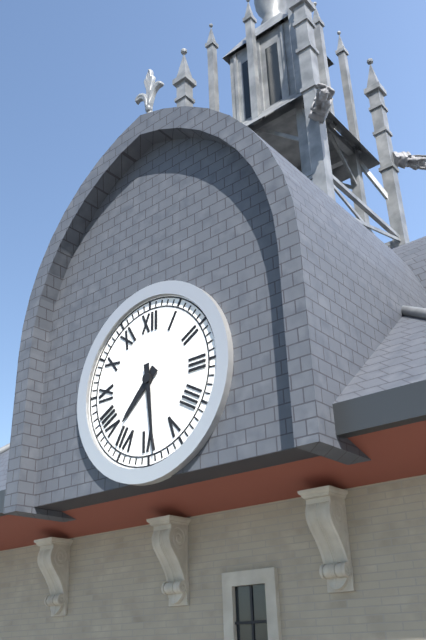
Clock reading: 7h29
